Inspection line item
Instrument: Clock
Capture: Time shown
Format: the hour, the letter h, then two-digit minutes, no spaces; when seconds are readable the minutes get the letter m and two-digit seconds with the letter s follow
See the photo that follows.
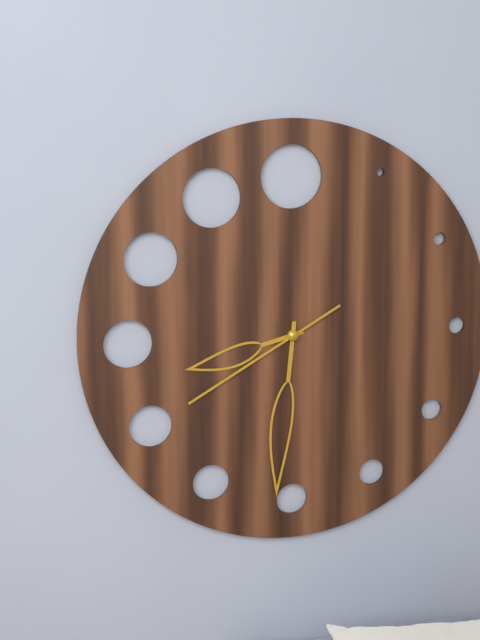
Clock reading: 8h31m40s
